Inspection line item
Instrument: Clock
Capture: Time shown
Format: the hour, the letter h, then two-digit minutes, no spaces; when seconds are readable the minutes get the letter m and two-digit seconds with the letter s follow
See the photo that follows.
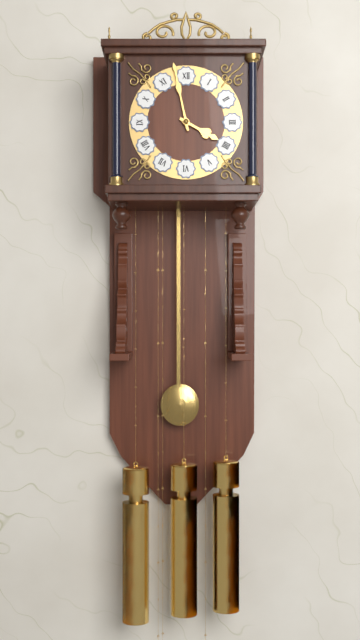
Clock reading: 3h58
